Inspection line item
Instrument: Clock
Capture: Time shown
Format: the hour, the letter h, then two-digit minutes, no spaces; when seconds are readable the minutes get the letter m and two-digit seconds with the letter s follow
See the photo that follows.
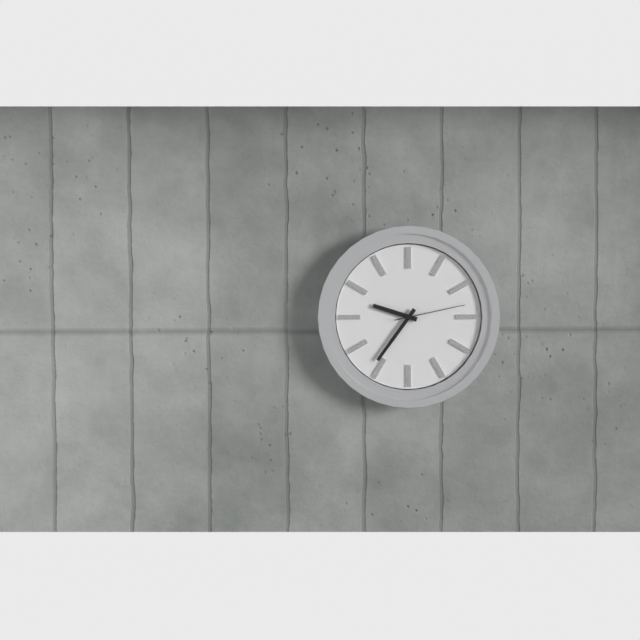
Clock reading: 9h36m13s
